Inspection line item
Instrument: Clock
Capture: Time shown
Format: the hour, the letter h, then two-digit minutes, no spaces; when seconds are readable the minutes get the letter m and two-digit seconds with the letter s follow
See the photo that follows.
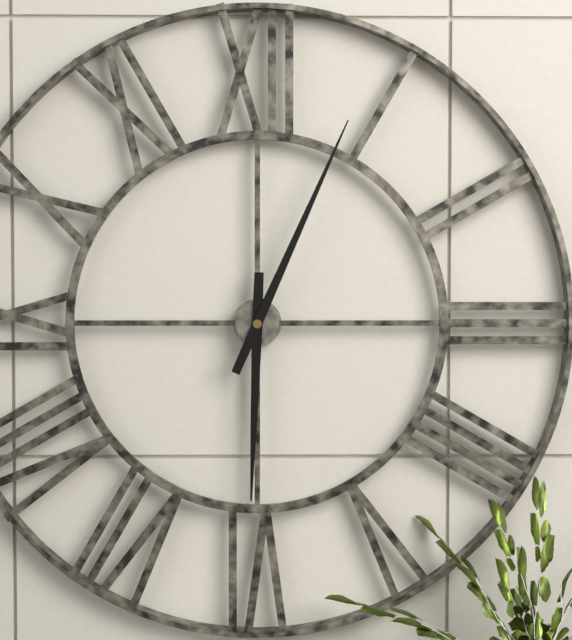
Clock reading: 6h04
